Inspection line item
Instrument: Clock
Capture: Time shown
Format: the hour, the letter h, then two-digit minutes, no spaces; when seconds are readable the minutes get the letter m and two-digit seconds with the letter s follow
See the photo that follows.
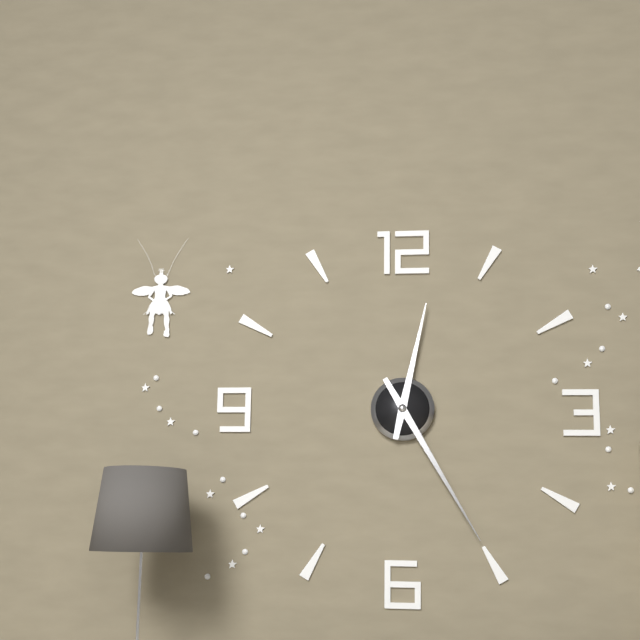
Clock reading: 12h25
